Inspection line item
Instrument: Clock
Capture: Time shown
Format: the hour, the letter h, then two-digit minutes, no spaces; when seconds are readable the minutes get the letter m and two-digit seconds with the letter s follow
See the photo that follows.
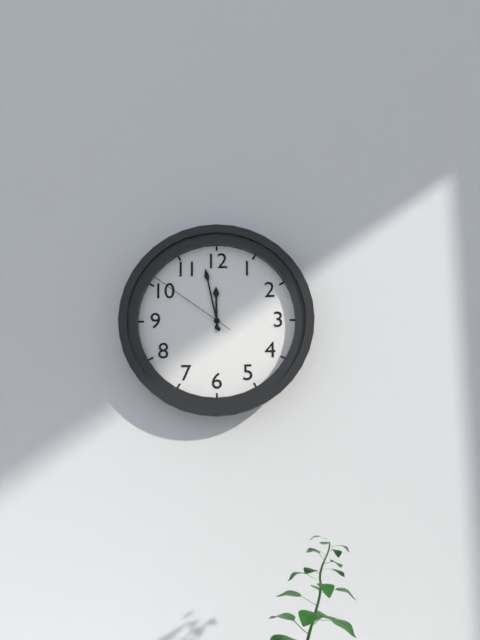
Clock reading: 11h58m51s
